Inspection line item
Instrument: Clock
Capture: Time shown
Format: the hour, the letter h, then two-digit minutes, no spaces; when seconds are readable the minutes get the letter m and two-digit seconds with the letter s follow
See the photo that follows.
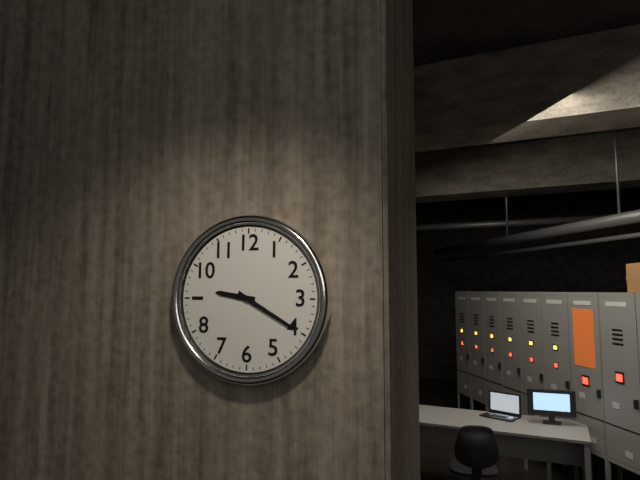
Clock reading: 9h20
